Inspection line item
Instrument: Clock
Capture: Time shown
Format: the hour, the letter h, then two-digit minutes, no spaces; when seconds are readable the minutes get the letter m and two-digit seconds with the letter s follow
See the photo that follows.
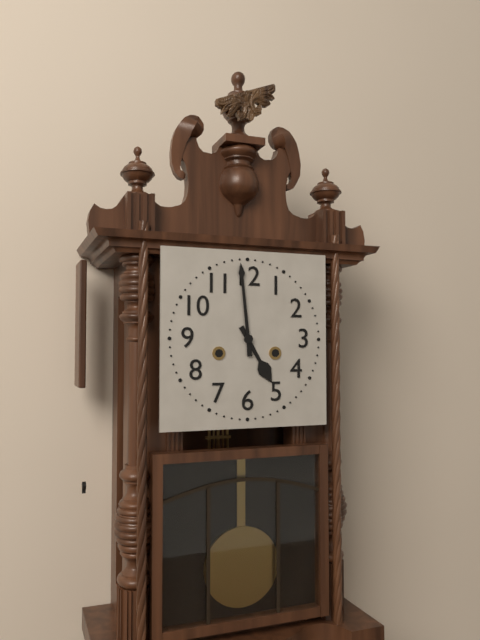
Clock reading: 4h59
